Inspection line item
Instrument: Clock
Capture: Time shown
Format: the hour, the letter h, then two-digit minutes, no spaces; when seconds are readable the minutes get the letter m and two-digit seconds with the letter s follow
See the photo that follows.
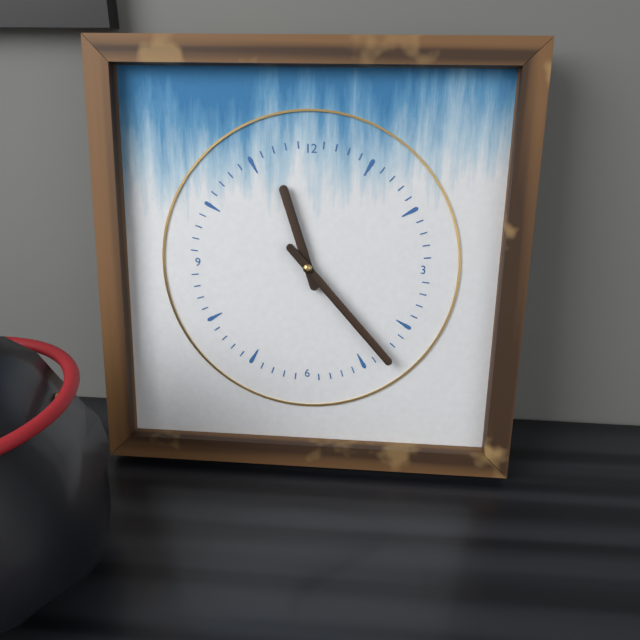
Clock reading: 11h23
